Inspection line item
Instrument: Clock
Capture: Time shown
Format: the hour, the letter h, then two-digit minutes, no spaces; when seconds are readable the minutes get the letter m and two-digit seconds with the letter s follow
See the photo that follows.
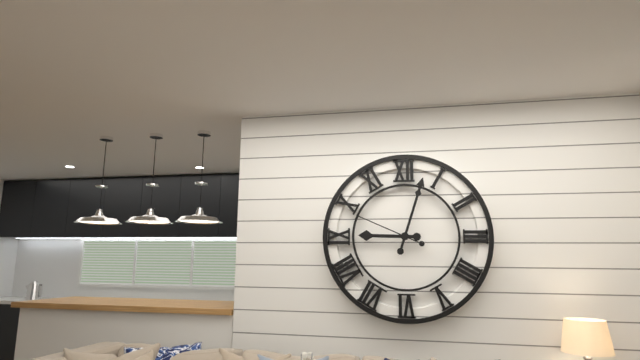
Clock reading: 9h03m49s
